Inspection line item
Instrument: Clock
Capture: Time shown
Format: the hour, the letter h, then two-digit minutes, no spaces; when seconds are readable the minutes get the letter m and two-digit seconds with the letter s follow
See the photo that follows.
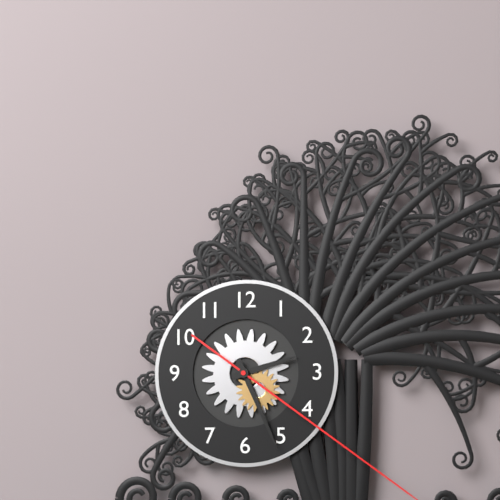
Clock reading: 2h26
